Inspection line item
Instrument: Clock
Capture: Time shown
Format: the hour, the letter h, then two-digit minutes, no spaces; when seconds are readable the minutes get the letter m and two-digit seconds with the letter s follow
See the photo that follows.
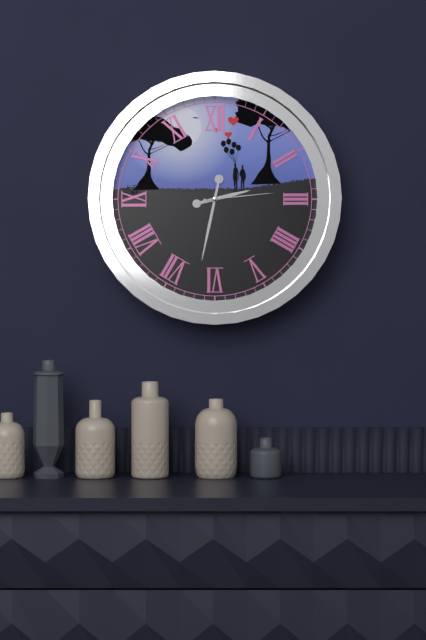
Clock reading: 2h32m14s
